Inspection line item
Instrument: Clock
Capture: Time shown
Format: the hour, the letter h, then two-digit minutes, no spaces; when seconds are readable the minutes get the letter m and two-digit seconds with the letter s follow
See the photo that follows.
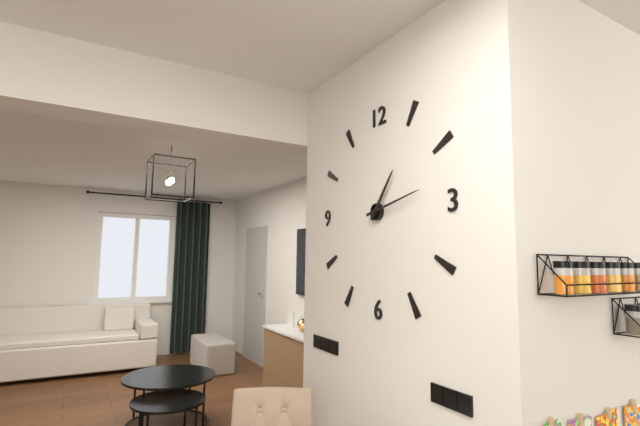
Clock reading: 1h13
